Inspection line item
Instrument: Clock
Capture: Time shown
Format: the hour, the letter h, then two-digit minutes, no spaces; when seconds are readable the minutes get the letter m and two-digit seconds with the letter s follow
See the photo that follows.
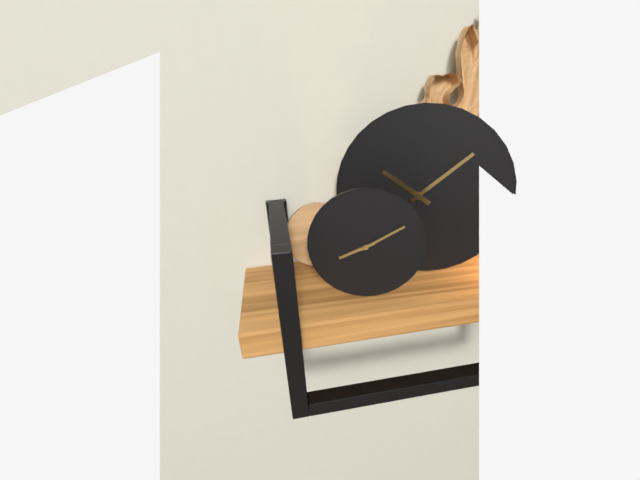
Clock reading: 8h10
